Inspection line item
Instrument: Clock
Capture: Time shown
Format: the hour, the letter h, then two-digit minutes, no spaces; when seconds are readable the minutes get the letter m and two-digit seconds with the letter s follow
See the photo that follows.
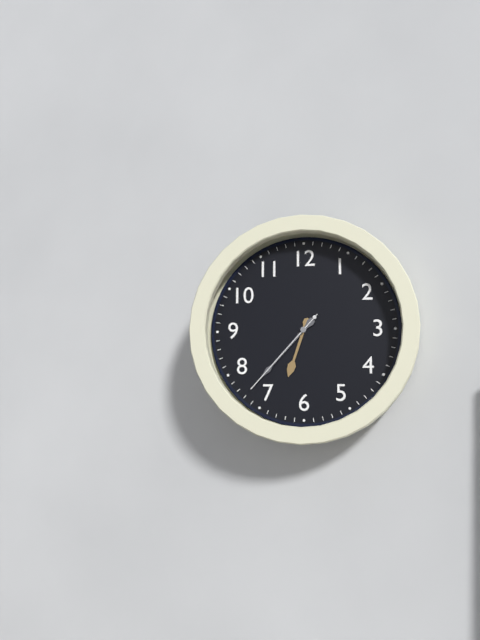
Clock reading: 6h37m37s
